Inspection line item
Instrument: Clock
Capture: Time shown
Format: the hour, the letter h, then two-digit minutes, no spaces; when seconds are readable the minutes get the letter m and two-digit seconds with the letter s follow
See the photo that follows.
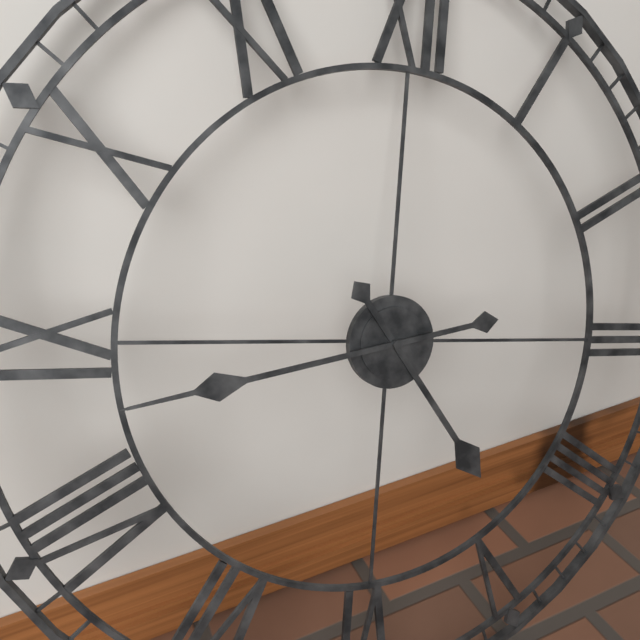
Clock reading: 4h43
